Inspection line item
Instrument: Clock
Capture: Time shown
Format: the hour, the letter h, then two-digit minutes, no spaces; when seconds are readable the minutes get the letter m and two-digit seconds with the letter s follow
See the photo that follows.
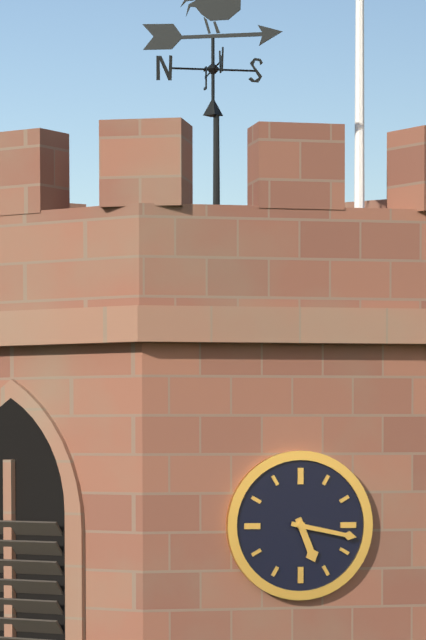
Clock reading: 5h17
